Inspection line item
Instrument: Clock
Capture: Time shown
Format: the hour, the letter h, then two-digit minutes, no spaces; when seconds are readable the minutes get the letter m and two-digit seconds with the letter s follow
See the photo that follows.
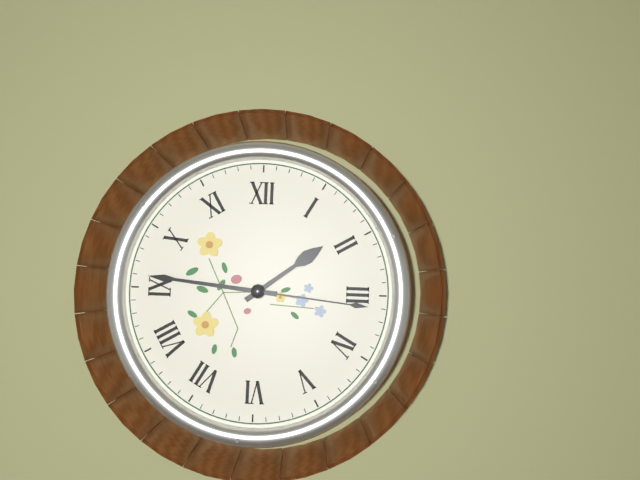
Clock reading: 1h46m16s
